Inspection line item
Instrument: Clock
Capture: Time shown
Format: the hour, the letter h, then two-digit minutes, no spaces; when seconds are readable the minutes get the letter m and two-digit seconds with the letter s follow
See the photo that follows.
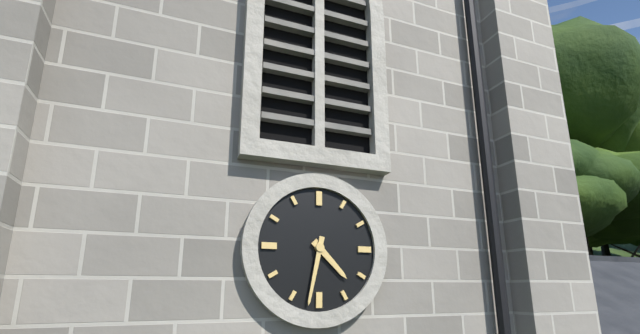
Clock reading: 4h32
